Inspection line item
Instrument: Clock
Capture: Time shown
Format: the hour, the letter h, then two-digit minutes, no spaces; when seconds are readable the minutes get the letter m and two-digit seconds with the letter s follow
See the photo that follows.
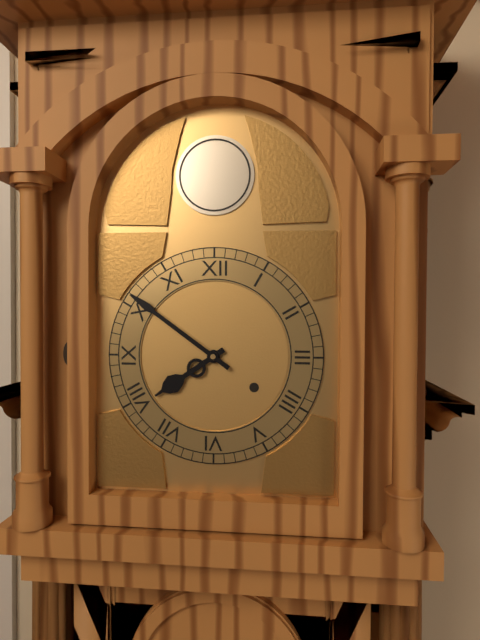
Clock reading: 7h51
